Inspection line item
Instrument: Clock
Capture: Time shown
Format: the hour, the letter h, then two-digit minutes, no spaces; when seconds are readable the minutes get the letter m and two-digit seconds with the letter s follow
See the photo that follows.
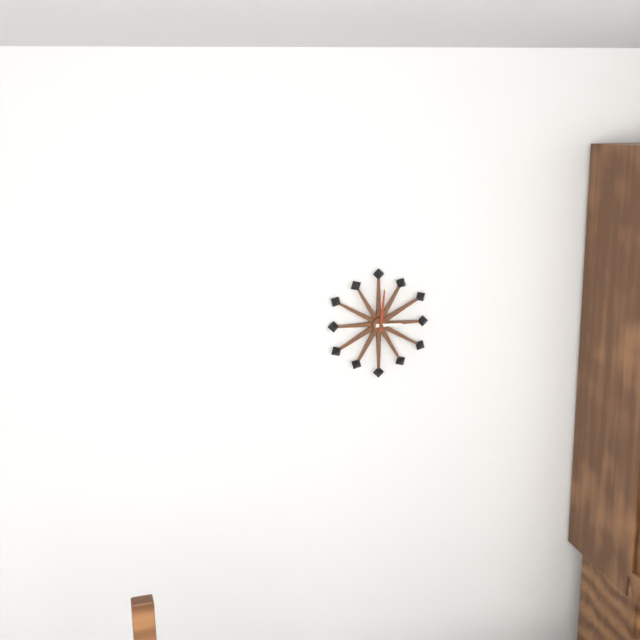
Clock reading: 3h01
